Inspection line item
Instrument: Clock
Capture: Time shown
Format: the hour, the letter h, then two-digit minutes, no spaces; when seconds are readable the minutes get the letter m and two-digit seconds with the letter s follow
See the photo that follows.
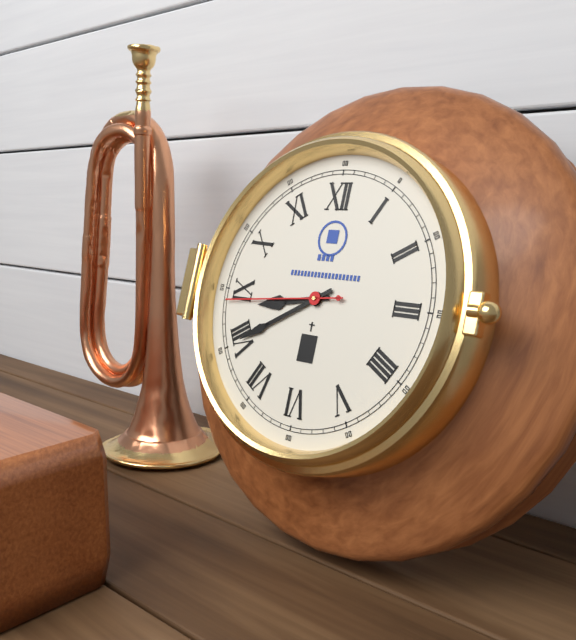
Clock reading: 8h40m44s
